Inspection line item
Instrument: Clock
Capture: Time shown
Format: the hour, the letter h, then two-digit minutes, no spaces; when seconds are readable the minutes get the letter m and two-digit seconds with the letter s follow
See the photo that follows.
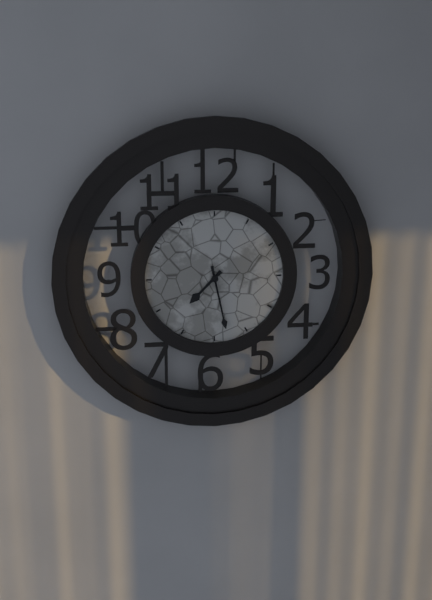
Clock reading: 7h28
